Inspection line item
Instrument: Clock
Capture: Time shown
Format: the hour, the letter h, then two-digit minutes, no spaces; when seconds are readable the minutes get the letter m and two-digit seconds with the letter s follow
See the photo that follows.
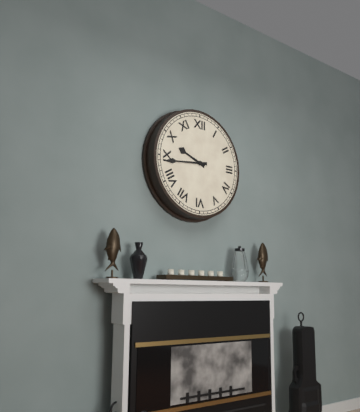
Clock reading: 9h44
